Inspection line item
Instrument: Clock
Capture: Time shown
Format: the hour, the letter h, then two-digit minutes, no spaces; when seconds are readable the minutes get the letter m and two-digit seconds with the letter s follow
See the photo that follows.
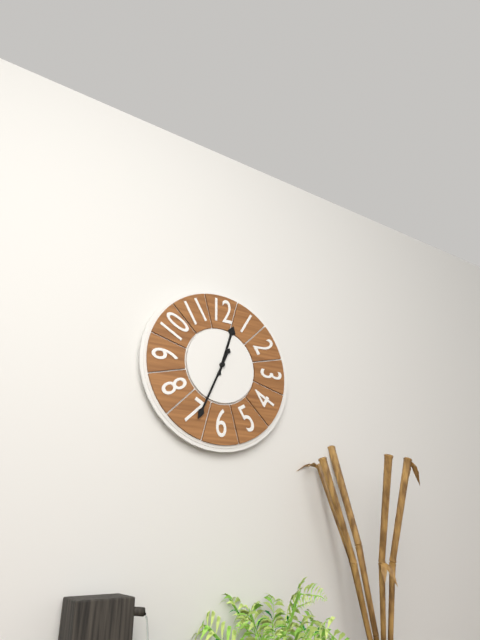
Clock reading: 12h34
